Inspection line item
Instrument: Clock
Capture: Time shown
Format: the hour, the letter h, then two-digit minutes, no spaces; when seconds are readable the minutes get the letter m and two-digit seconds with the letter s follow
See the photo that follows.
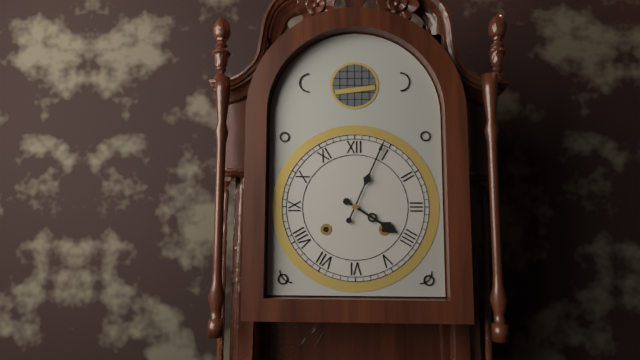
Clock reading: 4h04
